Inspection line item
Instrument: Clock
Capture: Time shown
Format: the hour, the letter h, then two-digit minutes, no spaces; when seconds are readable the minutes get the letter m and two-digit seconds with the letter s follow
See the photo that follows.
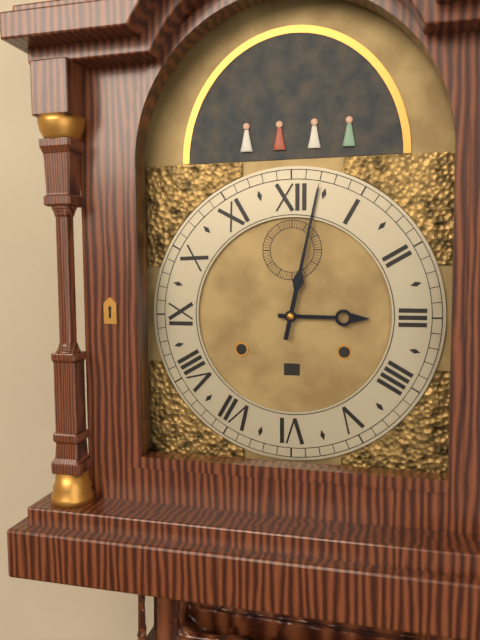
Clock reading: 3h02
